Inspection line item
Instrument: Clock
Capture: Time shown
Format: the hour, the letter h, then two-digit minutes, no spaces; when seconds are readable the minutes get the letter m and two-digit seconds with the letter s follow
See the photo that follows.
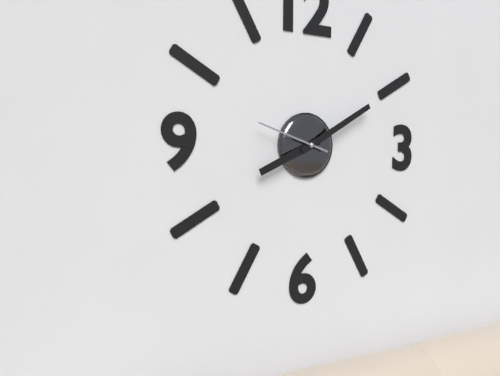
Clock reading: 8h10m48s
